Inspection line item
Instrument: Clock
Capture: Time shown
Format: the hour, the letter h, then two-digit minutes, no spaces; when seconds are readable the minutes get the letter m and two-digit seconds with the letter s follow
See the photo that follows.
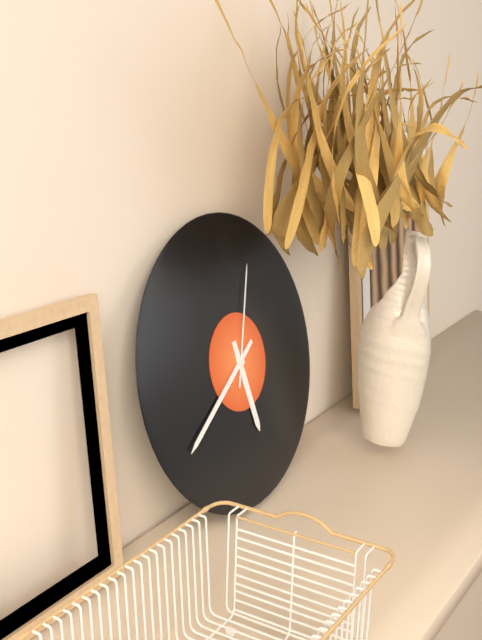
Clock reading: 5h40m04s
